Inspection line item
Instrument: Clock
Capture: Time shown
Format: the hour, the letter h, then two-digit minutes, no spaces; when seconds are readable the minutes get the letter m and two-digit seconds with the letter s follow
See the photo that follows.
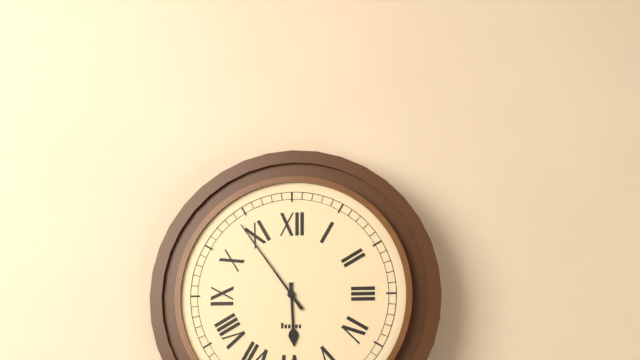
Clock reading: 5h54
